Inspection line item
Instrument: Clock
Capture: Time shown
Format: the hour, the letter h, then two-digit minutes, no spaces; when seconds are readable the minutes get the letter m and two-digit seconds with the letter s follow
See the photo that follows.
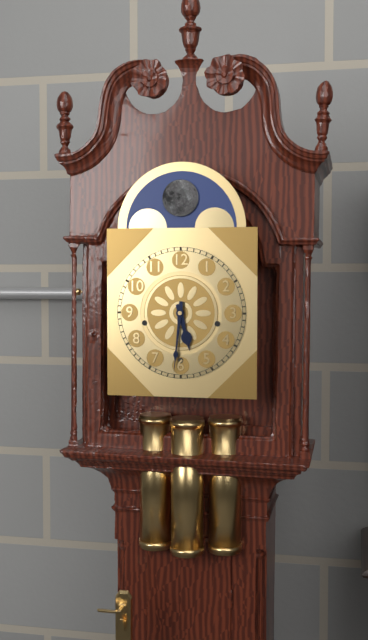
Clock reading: 5h31
